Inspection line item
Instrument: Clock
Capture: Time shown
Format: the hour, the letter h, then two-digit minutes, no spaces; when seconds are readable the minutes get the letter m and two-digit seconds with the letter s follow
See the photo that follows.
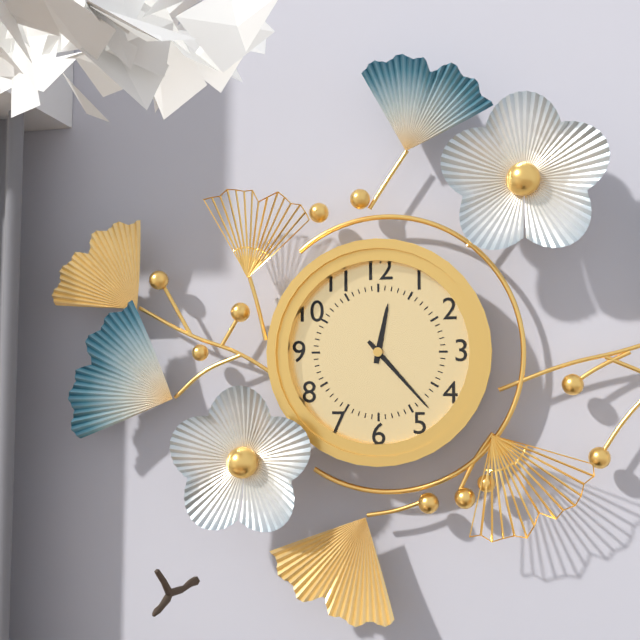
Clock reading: 12h23
